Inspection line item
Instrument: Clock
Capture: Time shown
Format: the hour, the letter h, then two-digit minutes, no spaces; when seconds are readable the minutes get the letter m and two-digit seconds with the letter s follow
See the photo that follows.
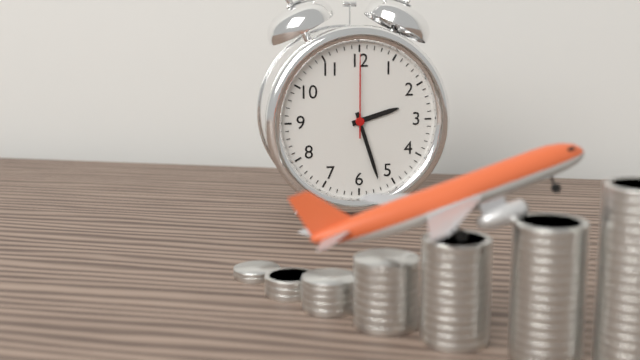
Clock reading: 2h27m00s
